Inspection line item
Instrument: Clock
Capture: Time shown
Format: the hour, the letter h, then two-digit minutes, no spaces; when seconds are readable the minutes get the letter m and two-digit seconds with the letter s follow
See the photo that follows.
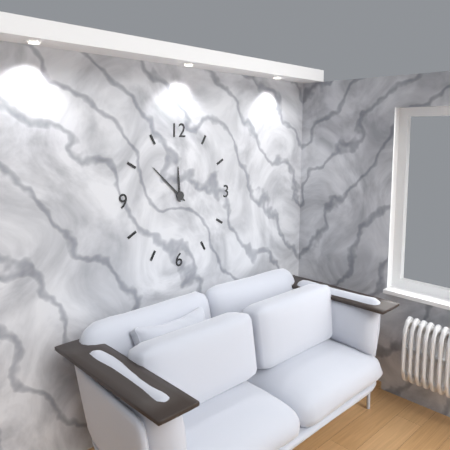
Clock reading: 11h52
